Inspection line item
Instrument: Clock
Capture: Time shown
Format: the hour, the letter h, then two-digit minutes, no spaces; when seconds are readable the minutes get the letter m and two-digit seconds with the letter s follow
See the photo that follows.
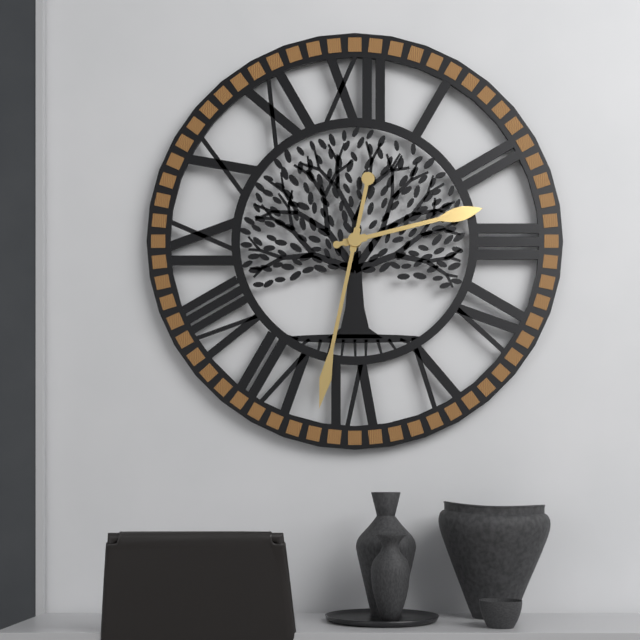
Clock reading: 2h32
